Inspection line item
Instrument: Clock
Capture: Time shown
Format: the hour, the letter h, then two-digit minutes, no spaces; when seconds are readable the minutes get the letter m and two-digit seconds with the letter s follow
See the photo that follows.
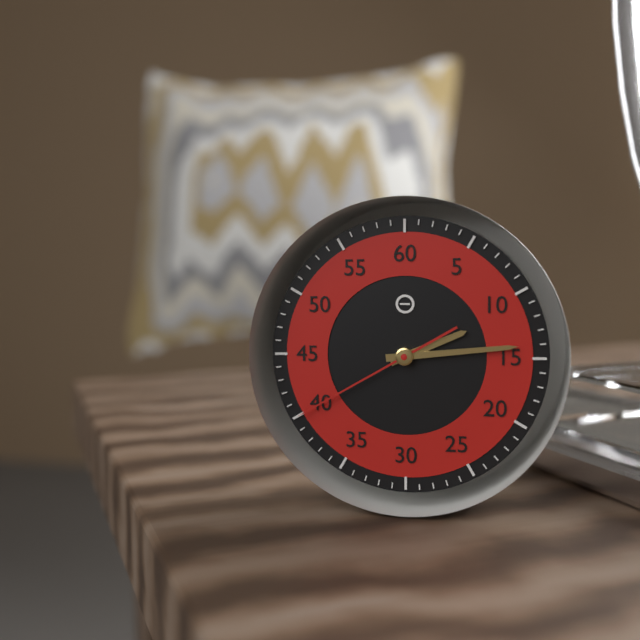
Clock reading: 2h14m40s
